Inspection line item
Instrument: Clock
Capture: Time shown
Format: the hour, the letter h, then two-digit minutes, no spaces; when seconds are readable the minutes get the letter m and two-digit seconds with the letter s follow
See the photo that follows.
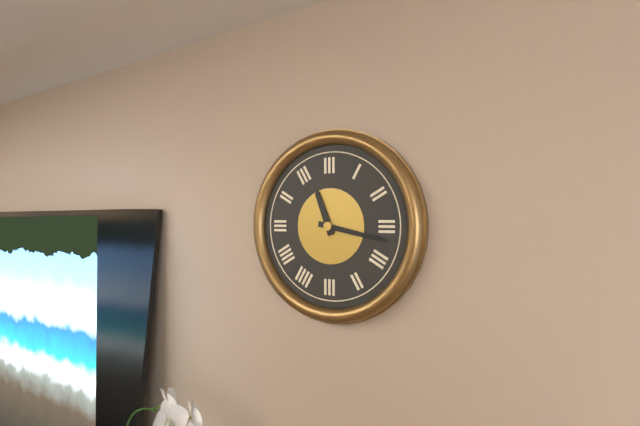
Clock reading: 11h17
